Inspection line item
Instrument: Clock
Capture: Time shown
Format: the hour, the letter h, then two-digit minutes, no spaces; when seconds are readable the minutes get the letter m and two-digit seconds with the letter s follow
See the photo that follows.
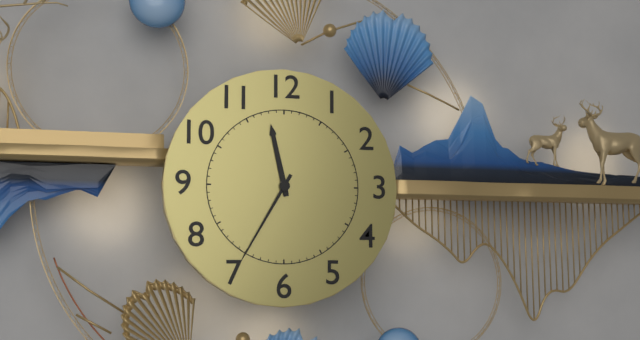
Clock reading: 11h35
